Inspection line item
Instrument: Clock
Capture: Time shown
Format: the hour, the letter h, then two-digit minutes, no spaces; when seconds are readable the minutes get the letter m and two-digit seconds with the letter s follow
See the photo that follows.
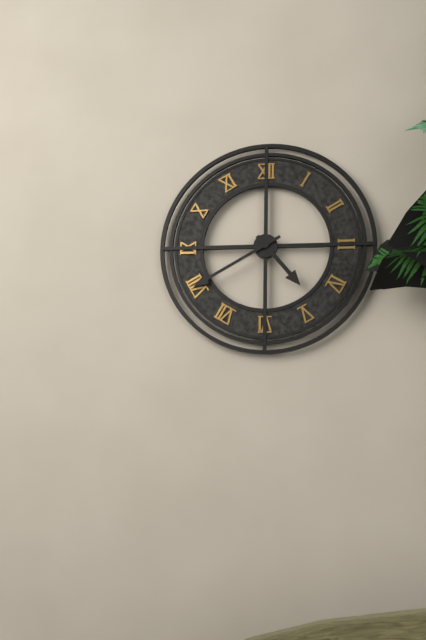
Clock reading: 4h40
